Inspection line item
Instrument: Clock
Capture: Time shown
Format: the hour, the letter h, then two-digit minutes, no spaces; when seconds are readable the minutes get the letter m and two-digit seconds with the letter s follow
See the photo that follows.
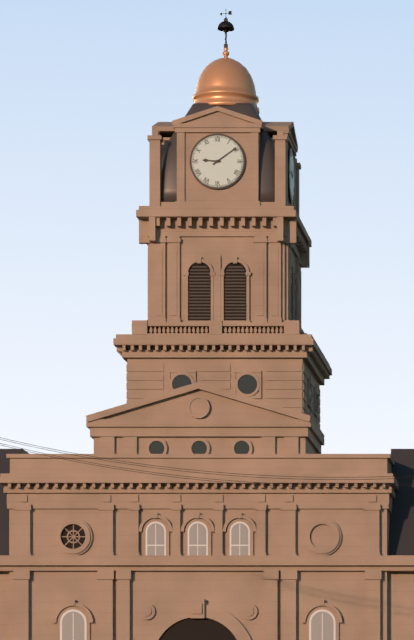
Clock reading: 9h09
